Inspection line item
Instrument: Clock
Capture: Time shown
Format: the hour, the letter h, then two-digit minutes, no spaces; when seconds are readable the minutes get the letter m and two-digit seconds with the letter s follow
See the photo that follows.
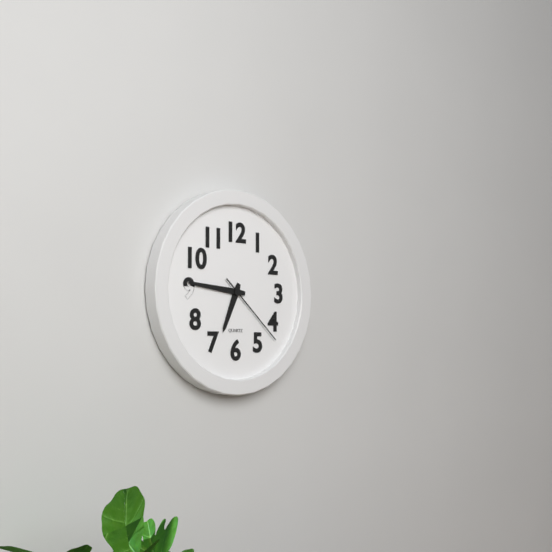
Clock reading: 6h46m22s
